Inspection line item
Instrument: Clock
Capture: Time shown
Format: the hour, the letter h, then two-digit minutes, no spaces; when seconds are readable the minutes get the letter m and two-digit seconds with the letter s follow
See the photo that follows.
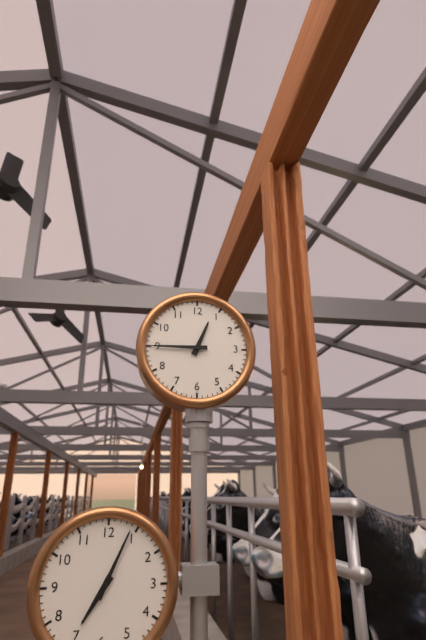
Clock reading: 12h45
